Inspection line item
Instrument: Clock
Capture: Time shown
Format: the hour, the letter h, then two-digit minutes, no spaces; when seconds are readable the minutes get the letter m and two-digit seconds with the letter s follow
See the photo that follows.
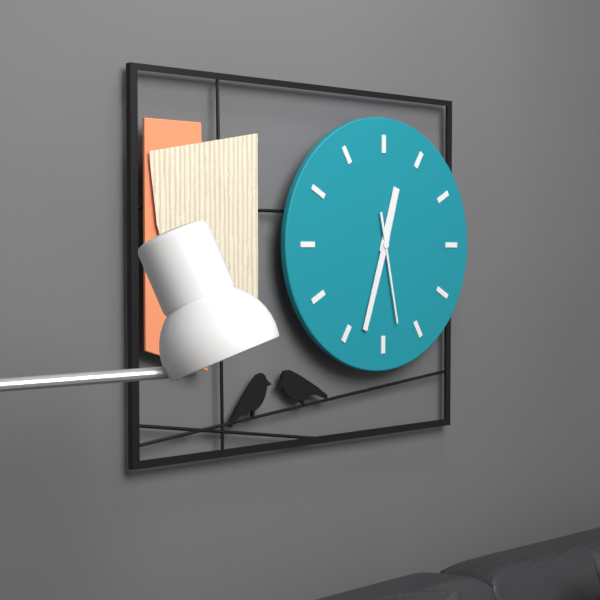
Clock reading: 12h33m28s
